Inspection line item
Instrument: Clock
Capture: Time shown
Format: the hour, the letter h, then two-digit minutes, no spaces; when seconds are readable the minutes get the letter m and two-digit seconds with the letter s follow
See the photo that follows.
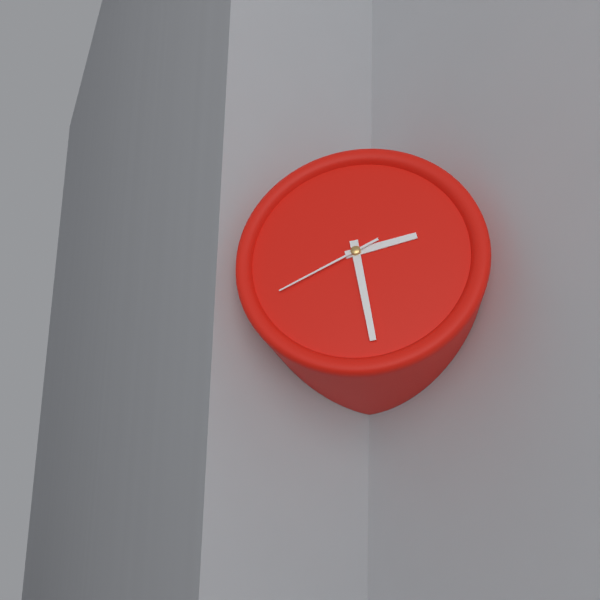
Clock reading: 2h28m40s
